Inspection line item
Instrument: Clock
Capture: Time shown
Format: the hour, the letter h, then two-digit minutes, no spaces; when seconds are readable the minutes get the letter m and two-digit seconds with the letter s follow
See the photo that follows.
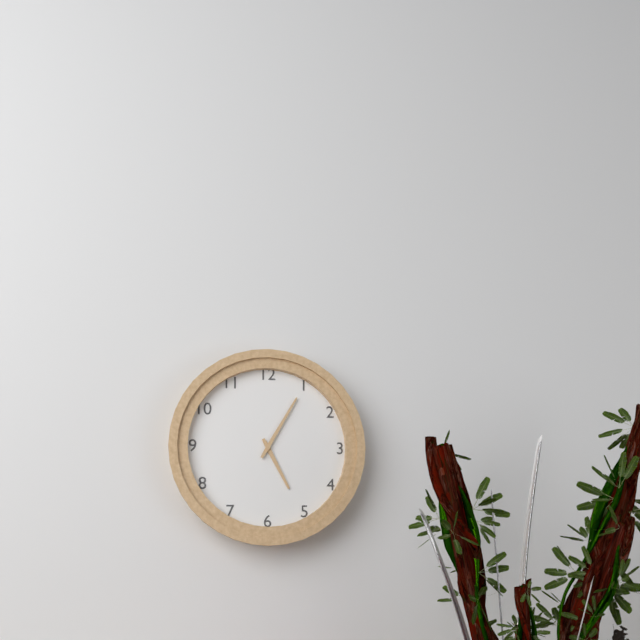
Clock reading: 5h05
